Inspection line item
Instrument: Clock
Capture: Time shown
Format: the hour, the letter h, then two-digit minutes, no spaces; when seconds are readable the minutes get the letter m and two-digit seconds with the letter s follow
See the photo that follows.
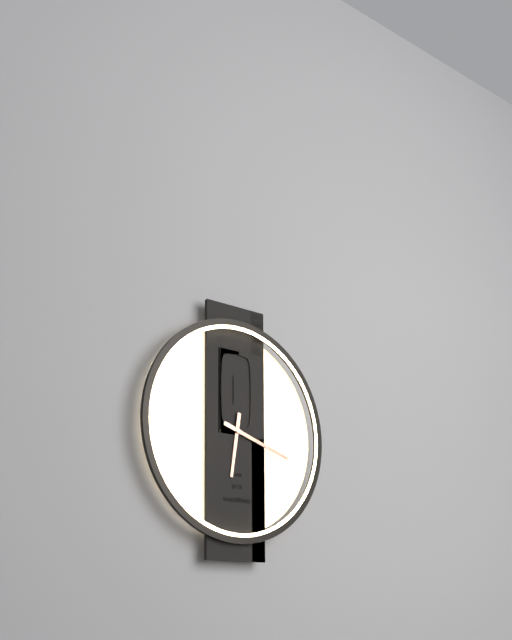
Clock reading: 6h18
